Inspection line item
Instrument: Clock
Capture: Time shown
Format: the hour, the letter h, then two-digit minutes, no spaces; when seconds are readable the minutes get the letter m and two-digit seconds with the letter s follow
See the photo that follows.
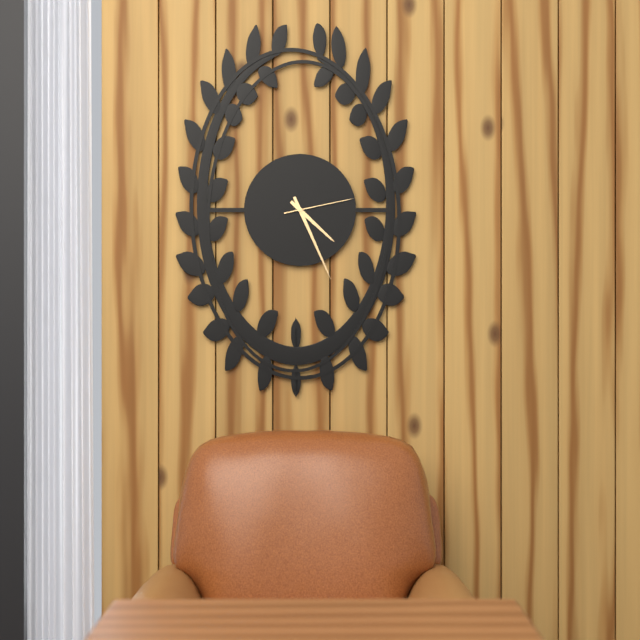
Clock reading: 4h26m13s
